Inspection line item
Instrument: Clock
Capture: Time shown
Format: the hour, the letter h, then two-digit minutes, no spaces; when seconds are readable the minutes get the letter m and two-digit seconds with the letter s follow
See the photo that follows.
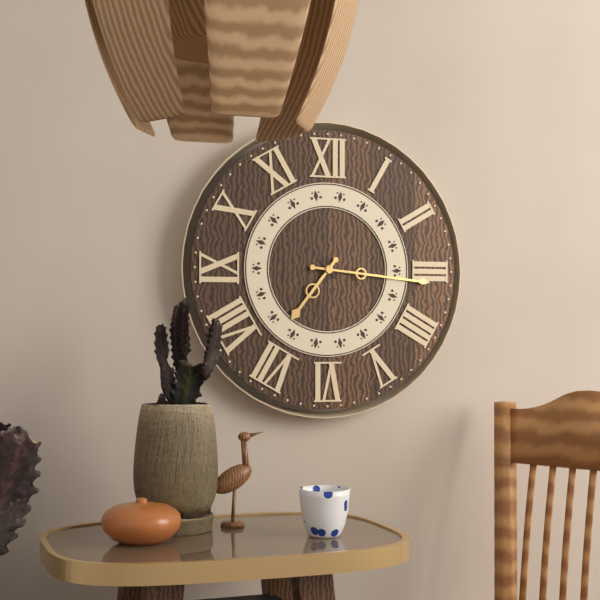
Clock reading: 7h16
